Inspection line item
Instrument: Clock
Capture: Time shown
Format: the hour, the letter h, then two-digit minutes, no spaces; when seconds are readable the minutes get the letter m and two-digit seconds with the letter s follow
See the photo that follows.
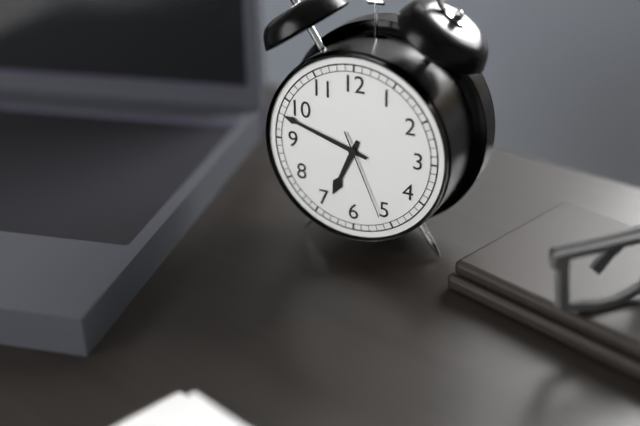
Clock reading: 6h48m26s
